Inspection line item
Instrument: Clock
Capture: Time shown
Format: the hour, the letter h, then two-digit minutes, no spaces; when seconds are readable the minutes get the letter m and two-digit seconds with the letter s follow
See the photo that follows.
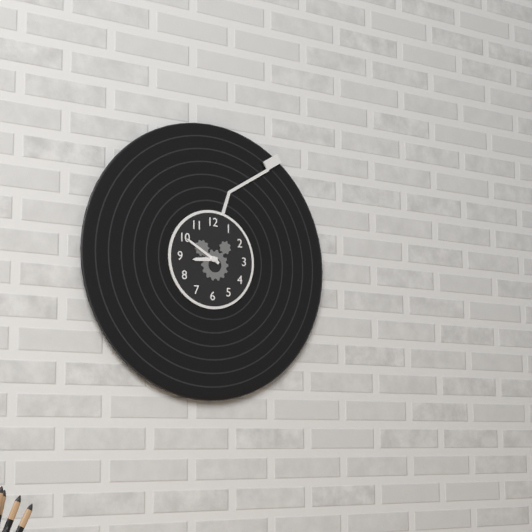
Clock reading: 8h50
